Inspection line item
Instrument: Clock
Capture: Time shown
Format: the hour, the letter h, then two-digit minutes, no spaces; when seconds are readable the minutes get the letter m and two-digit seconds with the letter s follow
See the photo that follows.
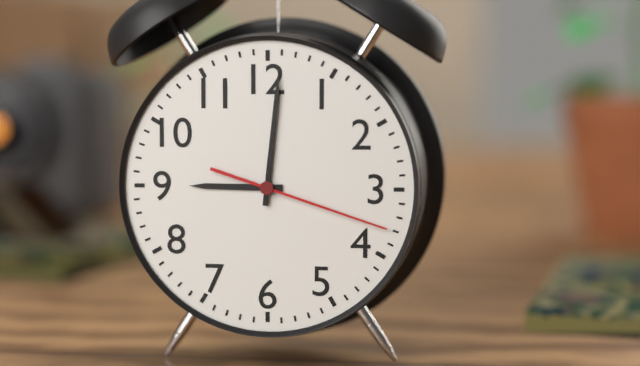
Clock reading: 9h01m18s
